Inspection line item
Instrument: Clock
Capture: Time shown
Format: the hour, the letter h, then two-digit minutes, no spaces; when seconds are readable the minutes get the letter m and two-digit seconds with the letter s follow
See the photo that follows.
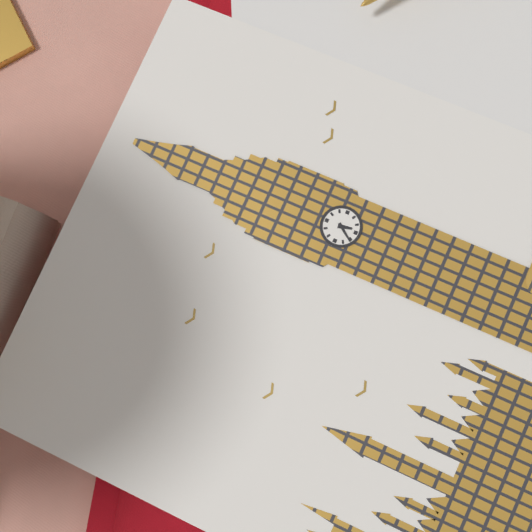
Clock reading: 5h36
